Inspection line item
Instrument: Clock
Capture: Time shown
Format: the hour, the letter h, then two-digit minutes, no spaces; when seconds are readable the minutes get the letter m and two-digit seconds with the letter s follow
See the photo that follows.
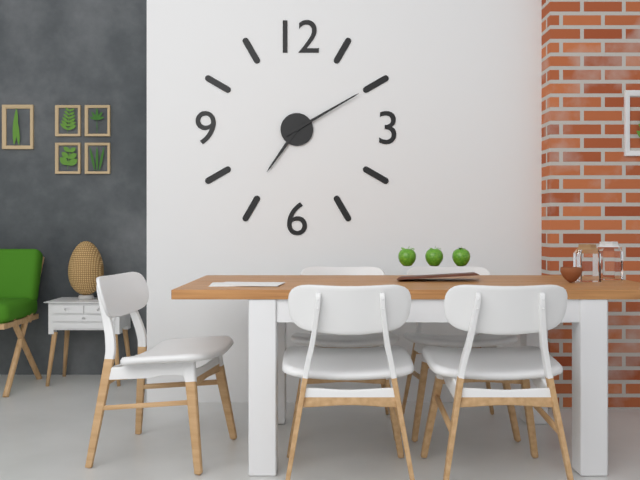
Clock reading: 7h10
